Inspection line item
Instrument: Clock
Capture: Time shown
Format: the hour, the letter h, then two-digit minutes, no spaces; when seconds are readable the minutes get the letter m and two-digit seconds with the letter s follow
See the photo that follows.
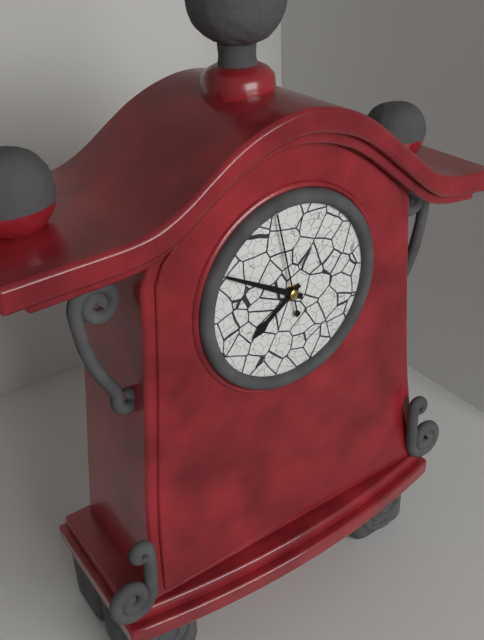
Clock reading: 7h50m58s
